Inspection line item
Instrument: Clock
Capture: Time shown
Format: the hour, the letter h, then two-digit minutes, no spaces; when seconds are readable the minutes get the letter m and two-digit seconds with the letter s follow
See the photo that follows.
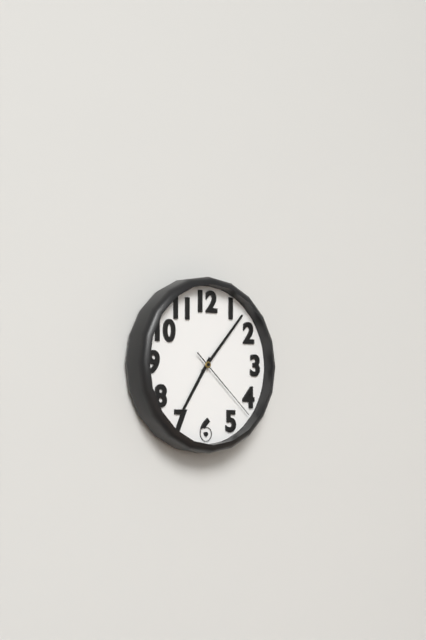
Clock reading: 7h07m22s
